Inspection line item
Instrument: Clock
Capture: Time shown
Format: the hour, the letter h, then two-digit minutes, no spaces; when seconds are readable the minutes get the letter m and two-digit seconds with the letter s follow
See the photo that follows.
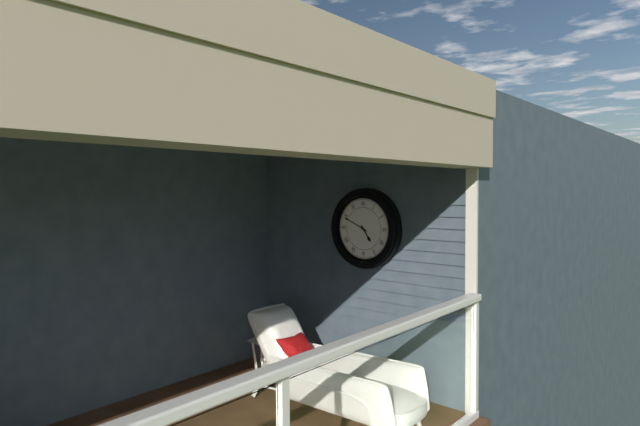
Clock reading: 4h49
